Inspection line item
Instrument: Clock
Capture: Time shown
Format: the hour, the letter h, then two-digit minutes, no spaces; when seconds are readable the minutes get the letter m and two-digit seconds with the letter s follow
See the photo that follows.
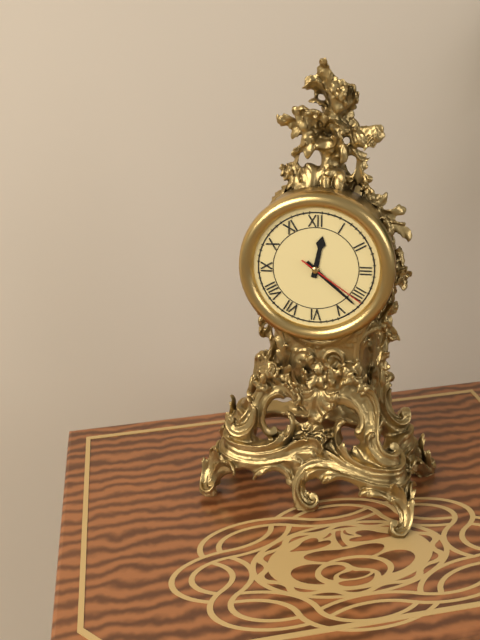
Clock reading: 12h22m21s
